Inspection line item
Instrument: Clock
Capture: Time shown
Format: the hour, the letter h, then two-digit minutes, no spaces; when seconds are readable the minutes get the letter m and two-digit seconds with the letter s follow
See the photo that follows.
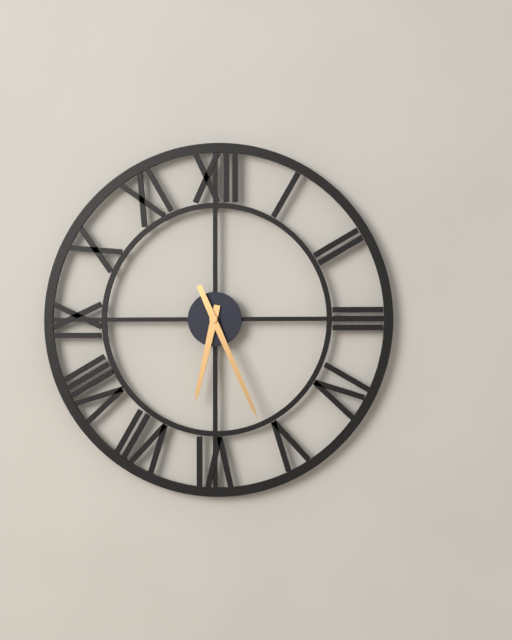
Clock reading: 6h26
